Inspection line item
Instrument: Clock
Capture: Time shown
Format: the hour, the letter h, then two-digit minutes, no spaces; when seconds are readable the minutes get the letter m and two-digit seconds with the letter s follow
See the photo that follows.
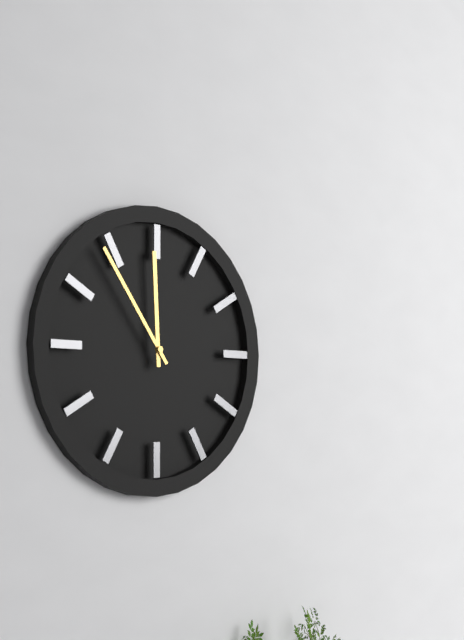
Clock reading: 11h54
